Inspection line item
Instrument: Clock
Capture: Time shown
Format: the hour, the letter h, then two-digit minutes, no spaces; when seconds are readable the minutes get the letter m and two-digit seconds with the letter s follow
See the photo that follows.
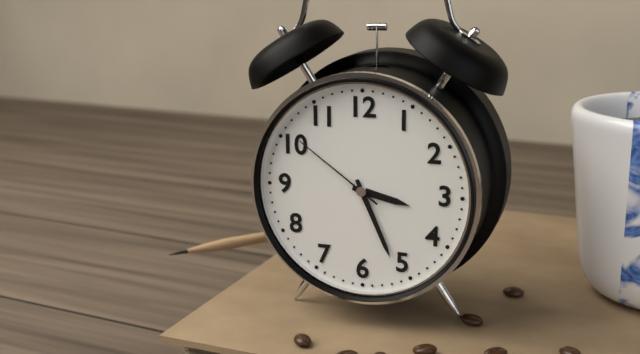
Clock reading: 3h26m51s
